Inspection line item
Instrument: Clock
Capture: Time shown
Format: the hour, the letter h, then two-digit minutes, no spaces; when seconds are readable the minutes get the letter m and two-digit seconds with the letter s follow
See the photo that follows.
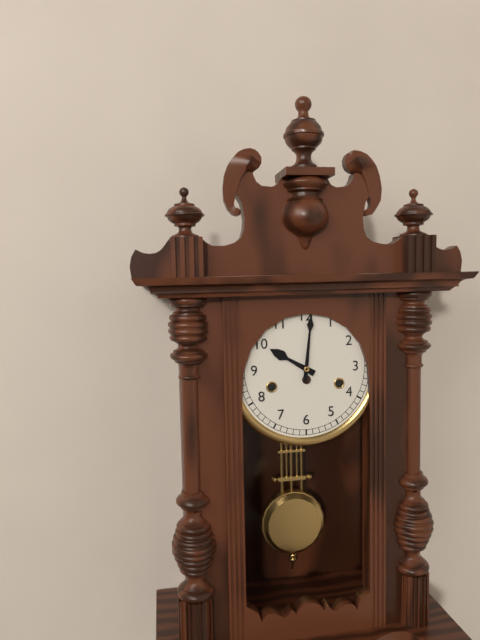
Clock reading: 10h01
